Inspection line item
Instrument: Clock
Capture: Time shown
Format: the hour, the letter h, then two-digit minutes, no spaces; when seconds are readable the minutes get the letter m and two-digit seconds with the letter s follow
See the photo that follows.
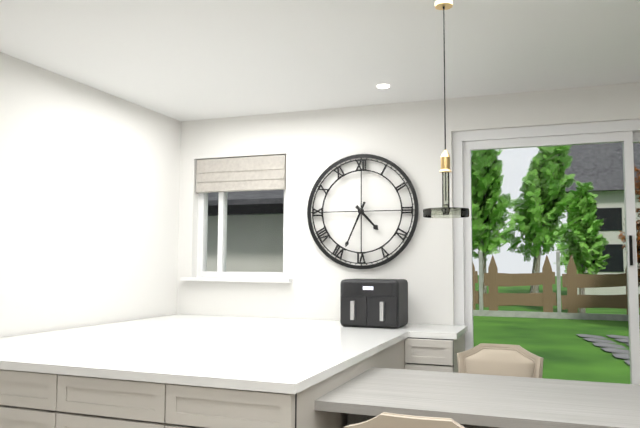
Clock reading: 4h34
